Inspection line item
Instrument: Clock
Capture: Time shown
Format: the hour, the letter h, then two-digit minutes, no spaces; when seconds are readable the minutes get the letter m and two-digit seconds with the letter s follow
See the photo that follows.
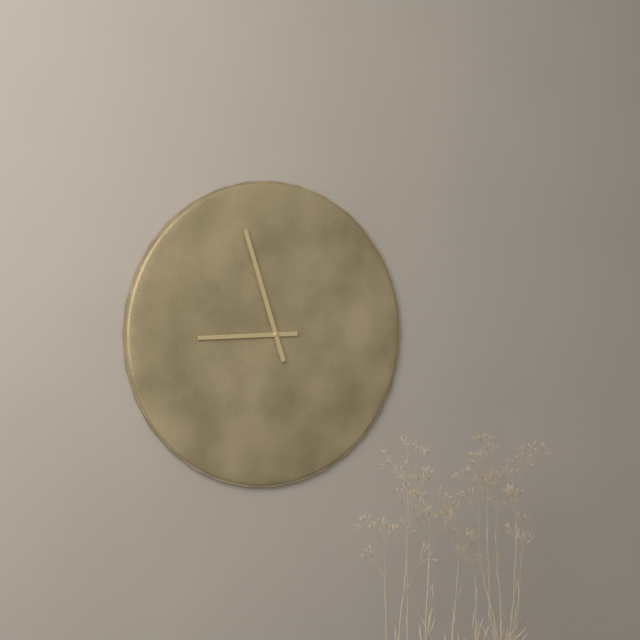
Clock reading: 8h57
